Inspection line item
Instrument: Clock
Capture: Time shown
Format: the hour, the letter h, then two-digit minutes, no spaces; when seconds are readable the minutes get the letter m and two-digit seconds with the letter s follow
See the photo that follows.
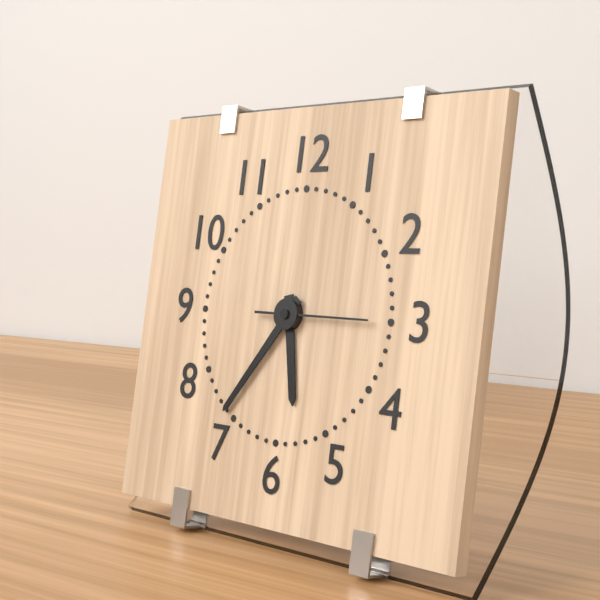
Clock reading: 5h36m15s
